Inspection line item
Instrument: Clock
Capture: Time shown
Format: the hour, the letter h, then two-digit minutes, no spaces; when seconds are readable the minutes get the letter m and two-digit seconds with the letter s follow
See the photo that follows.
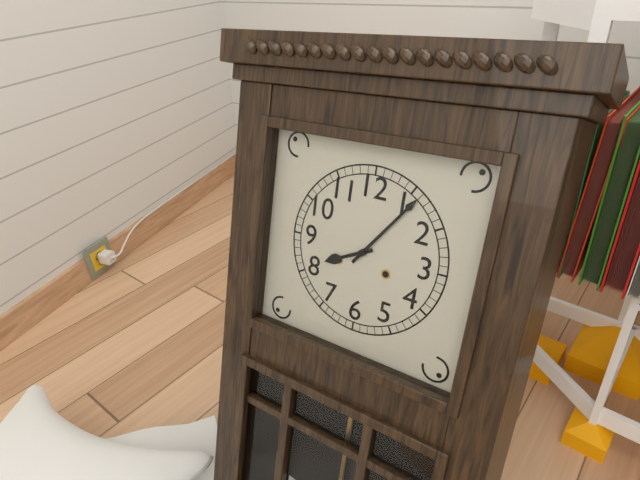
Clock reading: 8h06
